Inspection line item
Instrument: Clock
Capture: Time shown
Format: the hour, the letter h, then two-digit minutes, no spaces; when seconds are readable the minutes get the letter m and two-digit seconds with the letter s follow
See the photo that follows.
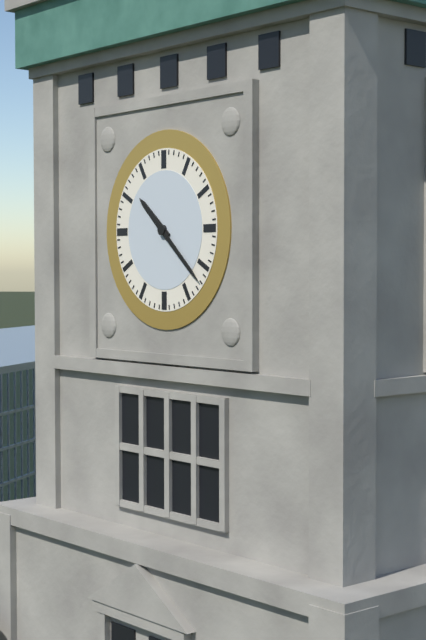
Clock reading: 10h22
